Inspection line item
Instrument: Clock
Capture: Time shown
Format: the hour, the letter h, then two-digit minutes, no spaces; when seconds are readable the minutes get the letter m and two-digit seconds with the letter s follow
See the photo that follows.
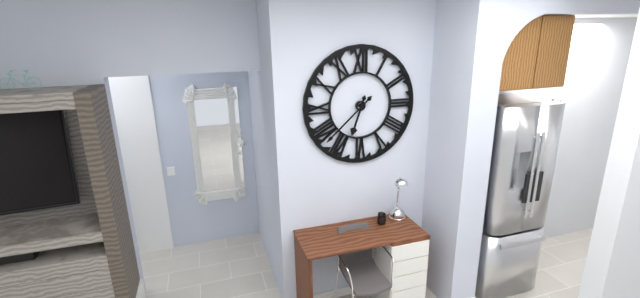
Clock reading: 6h38
